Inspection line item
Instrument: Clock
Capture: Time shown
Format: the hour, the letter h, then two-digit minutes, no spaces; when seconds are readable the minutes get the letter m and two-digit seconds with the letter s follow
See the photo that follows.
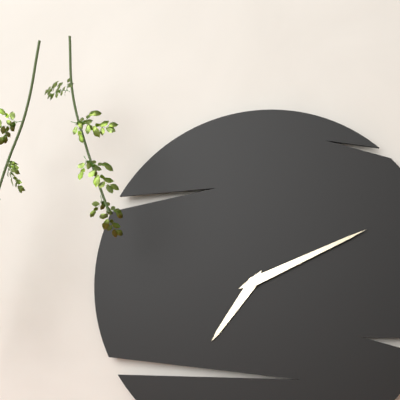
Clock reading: 7h11
